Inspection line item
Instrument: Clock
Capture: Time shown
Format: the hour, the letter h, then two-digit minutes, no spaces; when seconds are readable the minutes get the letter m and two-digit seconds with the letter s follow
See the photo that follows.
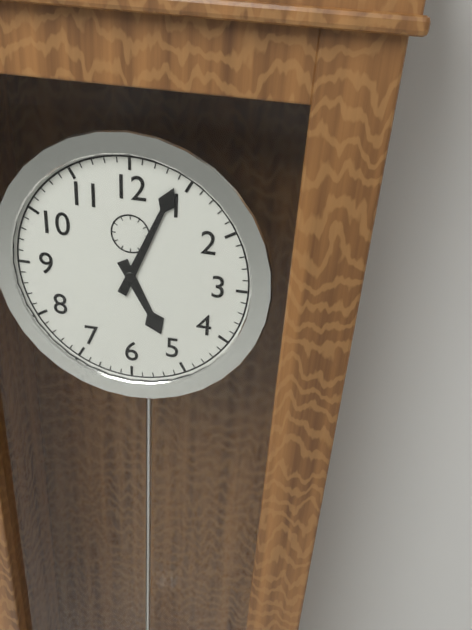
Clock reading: 5h04
